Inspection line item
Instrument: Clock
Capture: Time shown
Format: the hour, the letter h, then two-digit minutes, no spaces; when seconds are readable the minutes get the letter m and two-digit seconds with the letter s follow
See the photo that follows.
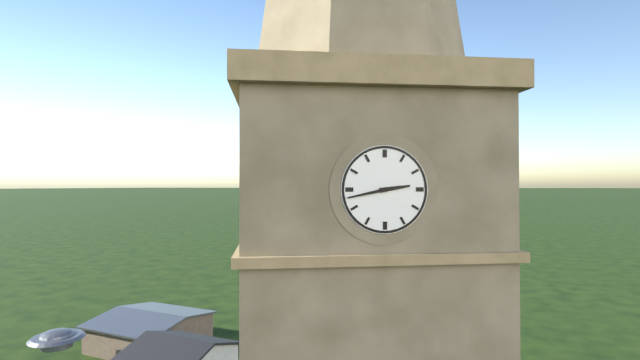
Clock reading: 2h43
